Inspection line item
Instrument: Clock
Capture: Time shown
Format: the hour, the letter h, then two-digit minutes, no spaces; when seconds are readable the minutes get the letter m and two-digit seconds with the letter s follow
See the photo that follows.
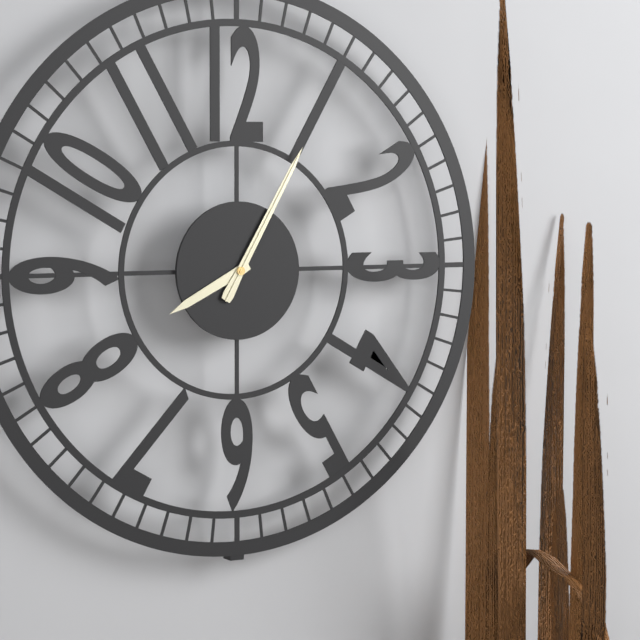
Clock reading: 8h05m05s
